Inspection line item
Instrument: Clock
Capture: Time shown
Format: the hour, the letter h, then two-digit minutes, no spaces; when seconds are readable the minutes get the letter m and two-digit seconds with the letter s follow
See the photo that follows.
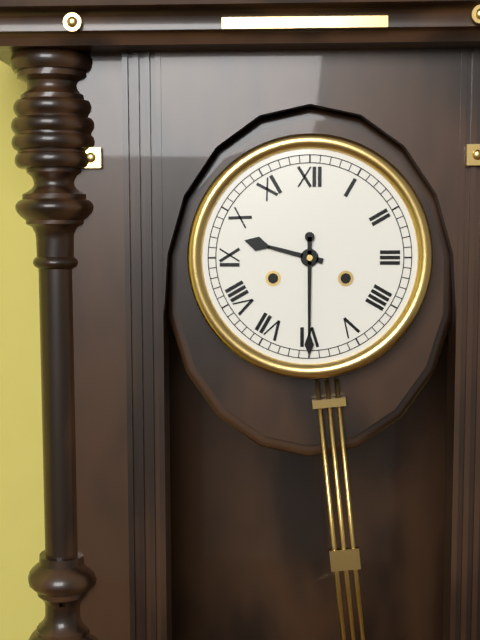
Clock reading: 9h30
